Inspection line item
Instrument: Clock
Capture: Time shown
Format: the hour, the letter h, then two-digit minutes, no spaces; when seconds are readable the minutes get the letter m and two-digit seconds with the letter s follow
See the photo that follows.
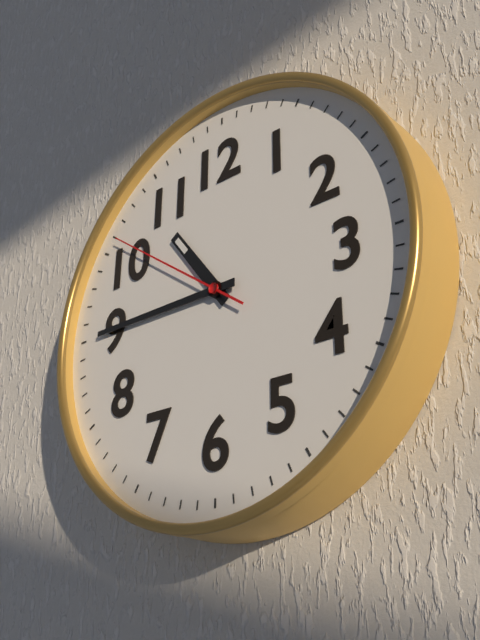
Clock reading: 10h45m51s
